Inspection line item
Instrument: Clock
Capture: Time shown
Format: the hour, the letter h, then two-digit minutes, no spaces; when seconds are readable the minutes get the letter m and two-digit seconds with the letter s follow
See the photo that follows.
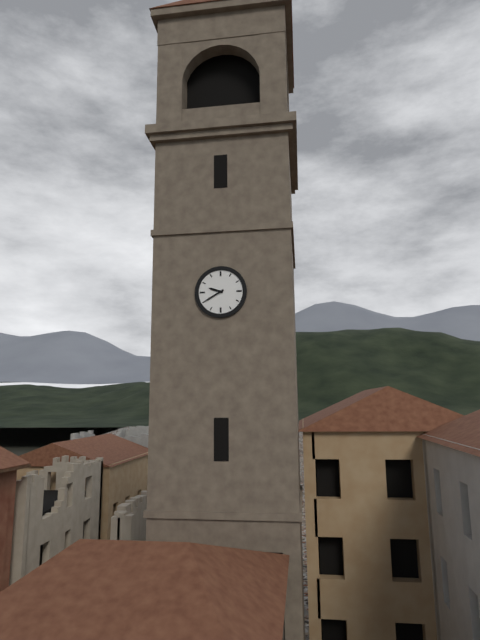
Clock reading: 9h40
